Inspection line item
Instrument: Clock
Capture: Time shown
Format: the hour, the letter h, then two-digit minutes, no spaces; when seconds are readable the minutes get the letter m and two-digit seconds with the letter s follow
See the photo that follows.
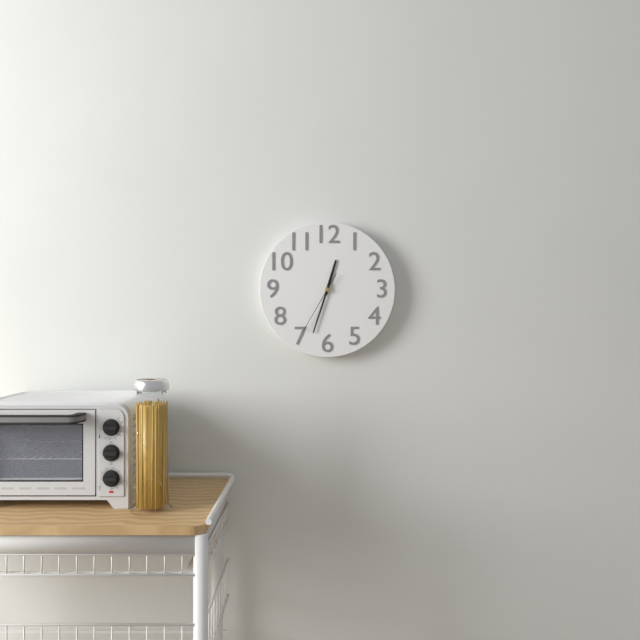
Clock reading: 12h33m35s
